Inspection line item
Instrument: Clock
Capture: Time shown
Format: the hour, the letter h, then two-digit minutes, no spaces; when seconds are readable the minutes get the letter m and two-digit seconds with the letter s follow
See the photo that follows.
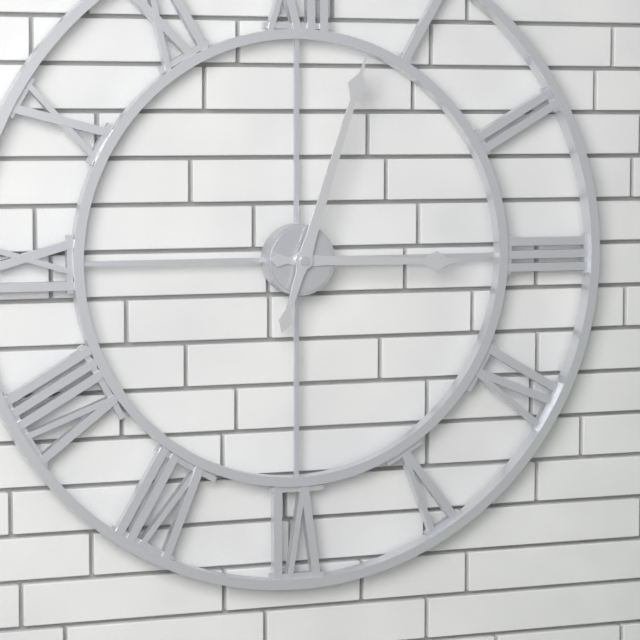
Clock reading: 3h03
